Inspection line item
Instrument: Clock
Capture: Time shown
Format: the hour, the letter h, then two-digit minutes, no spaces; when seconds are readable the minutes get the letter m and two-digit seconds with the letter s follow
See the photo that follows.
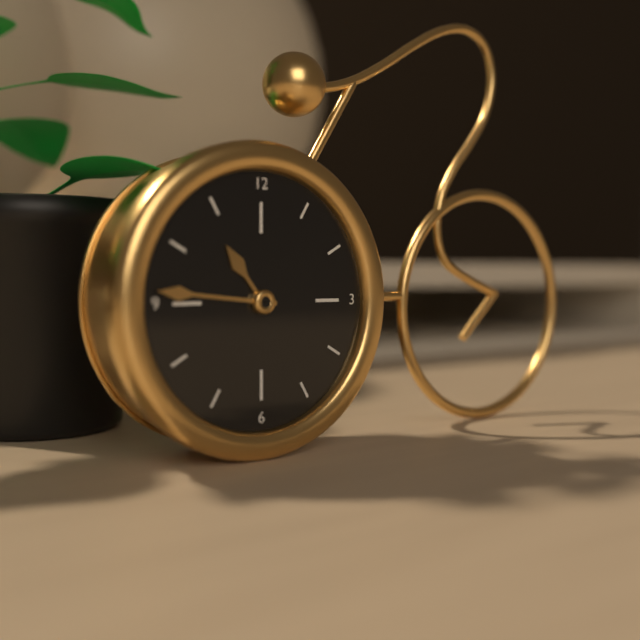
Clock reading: 10h46
